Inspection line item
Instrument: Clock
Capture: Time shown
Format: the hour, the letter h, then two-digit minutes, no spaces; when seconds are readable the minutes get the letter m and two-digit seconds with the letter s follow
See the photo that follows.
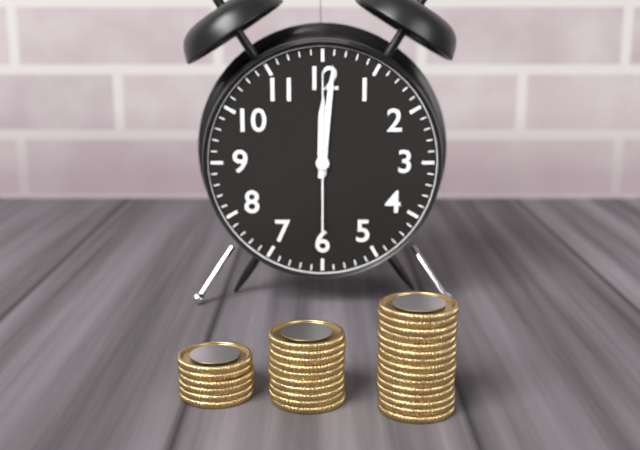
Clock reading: 12h01m00s
